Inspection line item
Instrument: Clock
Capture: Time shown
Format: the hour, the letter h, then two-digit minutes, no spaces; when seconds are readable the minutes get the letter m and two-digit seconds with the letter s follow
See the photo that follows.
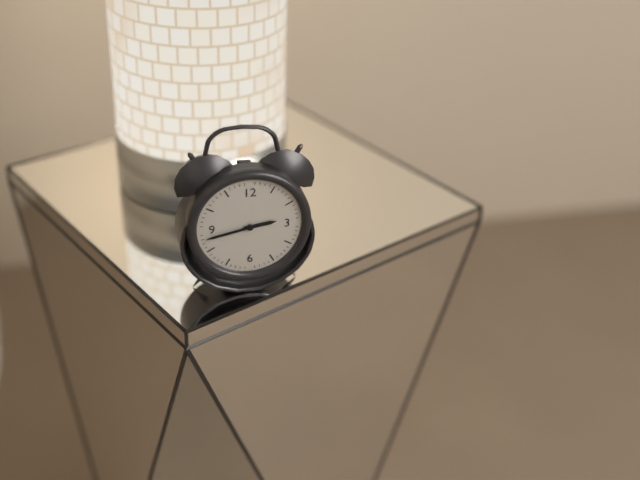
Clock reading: 2h43
